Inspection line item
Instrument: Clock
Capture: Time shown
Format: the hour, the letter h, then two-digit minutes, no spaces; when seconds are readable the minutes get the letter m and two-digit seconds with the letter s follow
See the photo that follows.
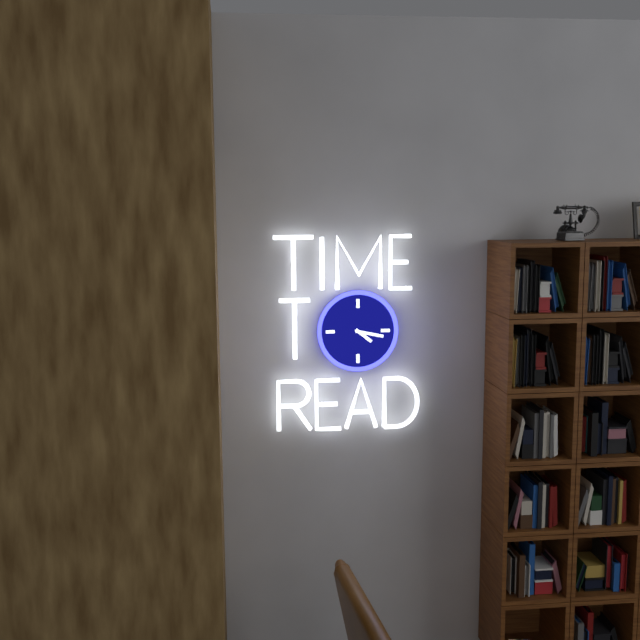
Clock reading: 4h17
